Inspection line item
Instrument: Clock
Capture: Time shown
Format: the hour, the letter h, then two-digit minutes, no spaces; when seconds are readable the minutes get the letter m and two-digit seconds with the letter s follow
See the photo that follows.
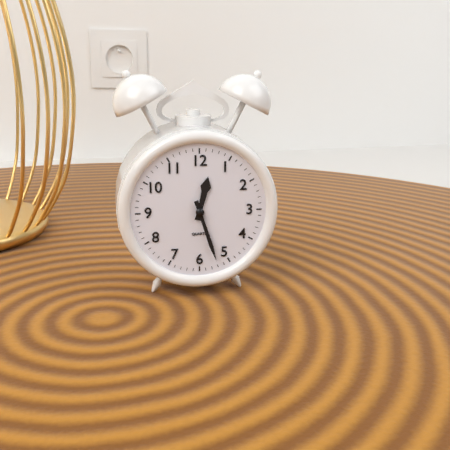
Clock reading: 12h27
